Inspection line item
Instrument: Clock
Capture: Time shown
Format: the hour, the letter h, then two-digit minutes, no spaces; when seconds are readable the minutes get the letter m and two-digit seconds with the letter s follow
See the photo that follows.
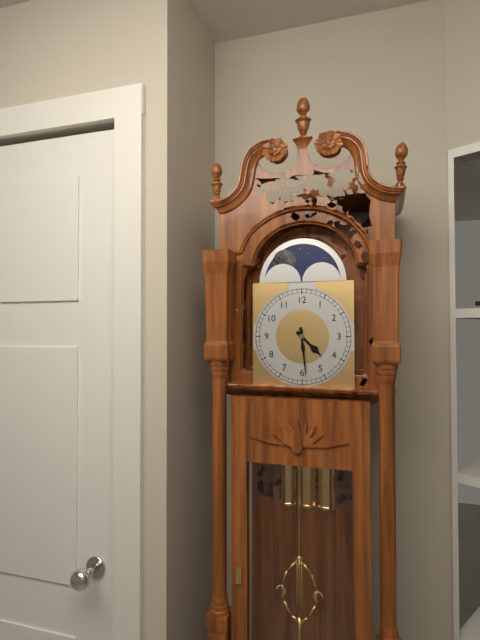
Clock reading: 4h29
